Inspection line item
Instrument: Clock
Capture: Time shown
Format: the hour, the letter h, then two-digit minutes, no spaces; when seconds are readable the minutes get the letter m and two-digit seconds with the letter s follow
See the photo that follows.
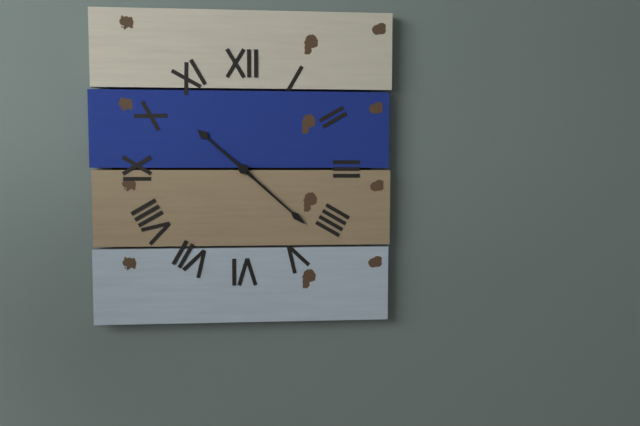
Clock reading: 10h22
